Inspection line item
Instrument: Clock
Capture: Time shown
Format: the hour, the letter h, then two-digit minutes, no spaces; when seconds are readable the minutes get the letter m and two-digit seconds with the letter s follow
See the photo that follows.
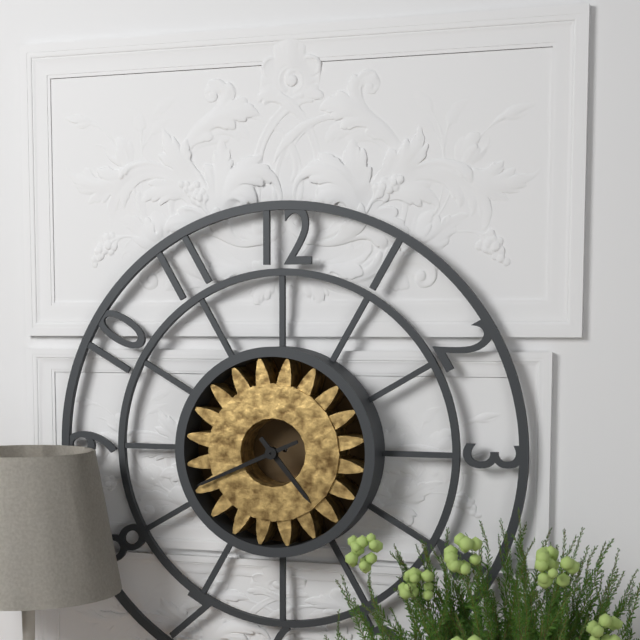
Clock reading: 4h41
